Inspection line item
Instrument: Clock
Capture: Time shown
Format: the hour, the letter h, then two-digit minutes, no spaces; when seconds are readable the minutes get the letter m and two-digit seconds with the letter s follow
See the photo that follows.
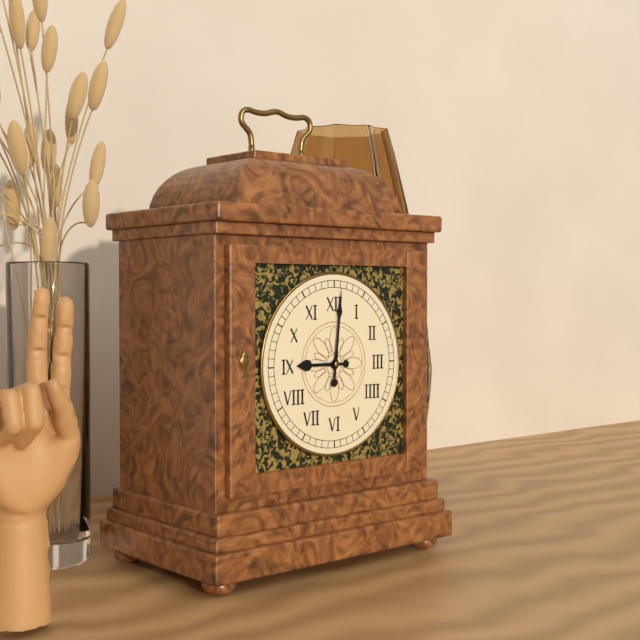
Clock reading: 9h01
